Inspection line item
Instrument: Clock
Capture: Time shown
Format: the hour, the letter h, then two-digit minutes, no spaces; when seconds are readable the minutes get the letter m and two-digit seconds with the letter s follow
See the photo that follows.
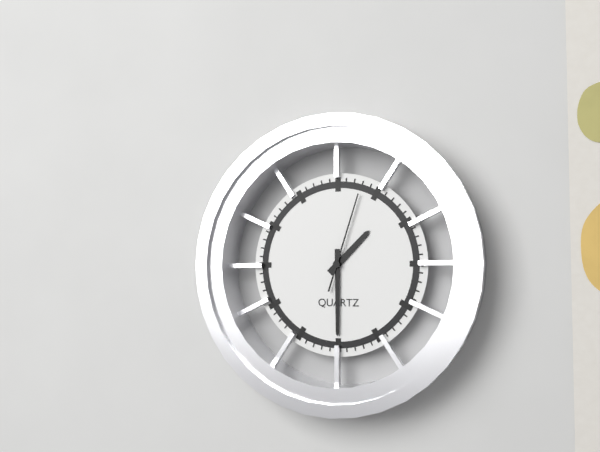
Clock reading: 1h30m03s
